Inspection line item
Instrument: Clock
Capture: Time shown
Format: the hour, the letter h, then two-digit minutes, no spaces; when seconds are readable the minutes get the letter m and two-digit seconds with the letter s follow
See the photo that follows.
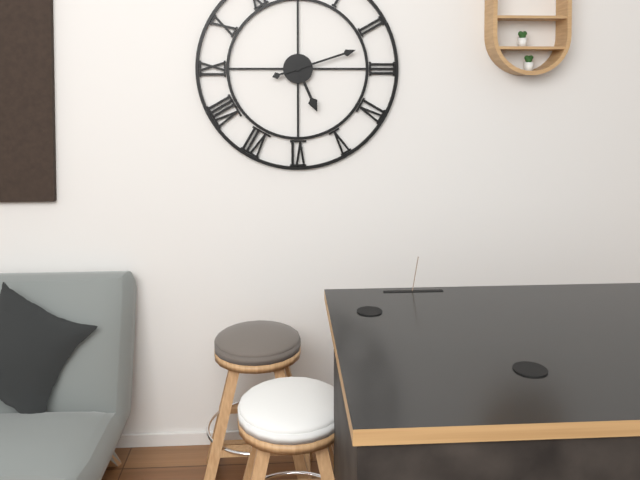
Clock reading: 5h12
